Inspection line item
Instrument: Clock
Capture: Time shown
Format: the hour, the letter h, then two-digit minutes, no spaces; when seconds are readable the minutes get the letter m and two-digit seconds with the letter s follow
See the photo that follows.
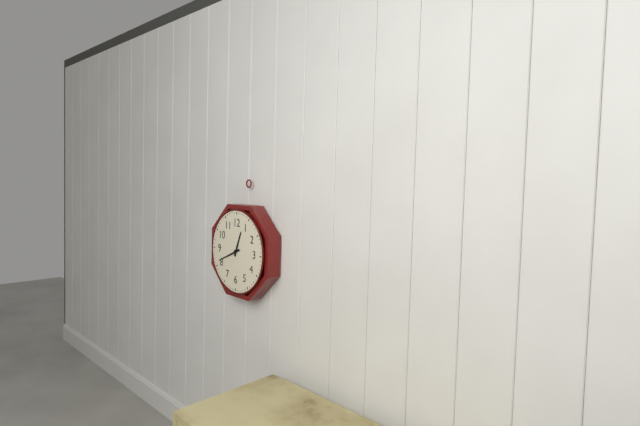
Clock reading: 12h41
